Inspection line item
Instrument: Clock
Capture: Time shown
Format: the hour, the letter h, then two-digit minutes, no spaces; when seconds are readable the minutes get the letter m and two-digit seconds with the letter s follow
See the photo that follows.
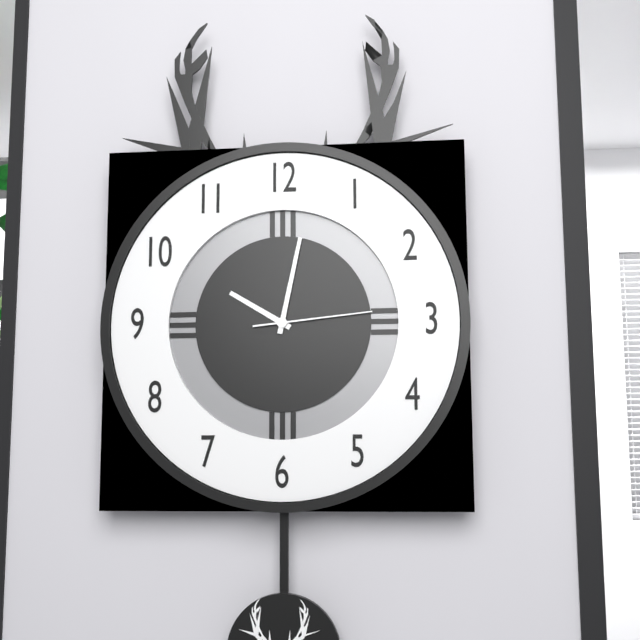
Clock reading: 10h02m14s
